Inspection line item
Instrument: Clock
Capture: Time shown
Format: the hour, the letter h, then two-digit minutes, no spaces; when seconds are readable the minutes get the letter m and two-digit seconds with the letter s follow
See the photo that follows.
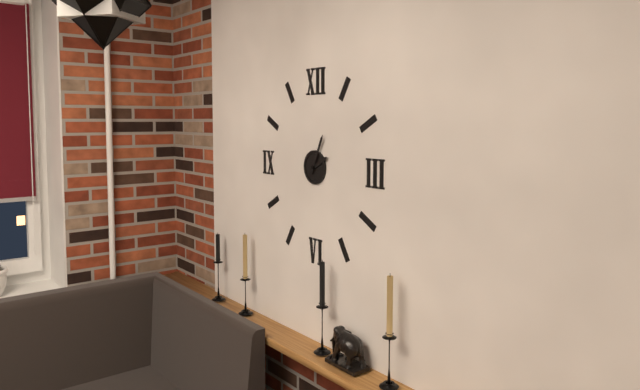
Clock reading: 2h04
